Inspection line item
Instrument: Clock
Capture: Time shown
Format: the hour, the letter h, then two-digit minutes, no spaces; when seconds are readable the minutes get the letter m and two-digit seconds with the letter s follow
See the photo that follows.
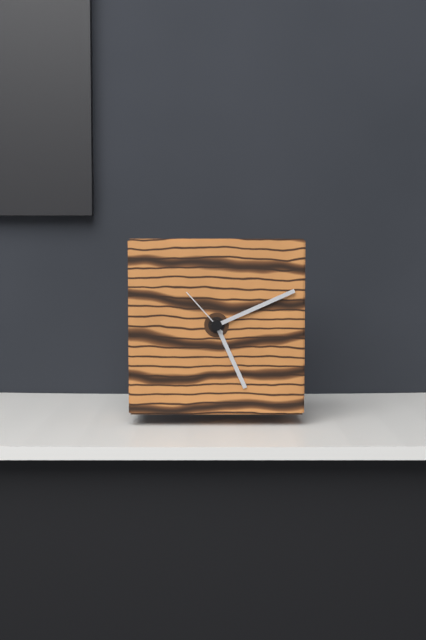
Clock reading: 5h11m53s
